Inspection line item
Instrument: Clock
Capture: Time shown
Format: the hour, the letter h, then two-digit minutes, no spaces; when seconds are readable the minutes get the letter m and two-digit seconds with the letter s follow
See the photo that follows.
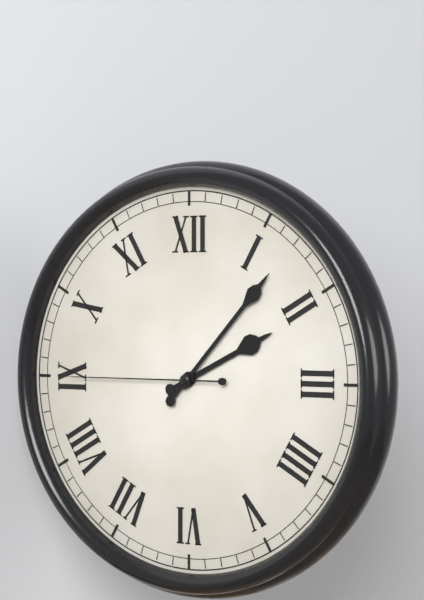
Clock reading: 2h07m45s
